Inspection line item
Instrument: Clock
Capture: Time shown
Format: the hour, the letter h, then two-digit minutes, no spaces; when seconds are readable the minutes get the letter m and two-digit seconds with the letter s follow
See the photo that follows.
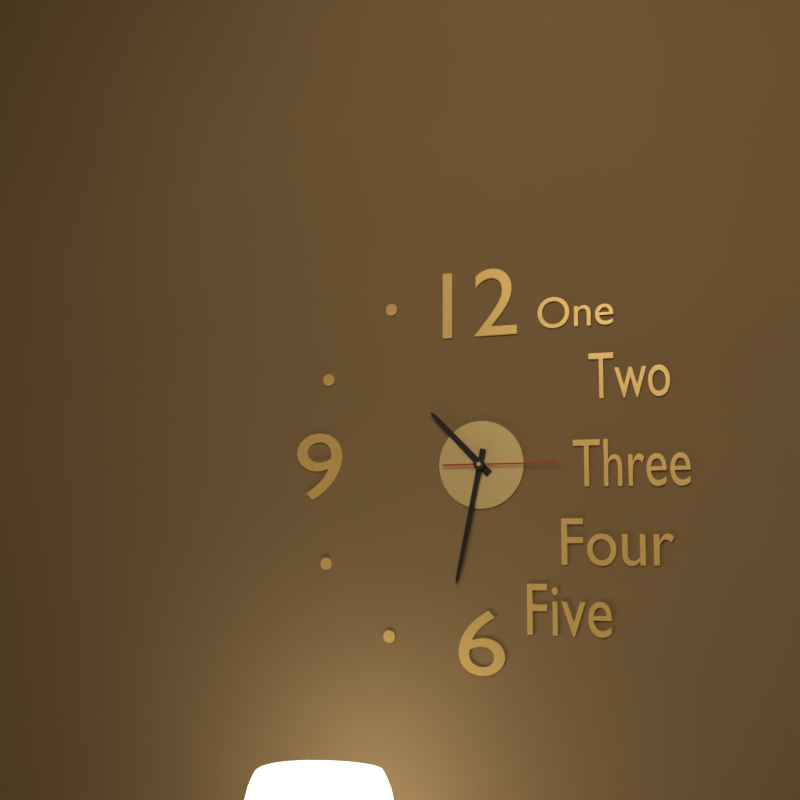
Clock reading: 10h32m15s
